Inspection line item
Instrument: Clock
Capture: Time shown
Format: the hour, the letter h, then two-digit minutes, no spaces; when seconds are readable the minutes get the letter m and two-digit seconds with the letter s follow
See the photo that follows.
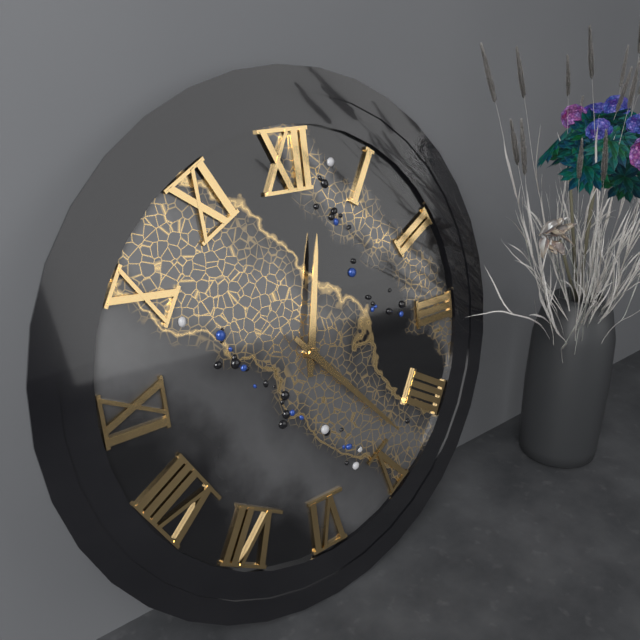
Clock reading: 12h23
